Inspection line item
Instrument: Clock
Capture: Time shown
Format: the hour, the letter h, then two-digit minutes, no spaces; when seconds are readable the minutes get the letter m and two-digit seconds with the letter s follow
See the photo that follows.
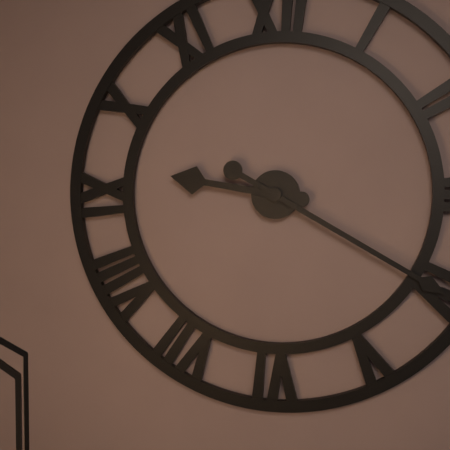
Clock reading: 9h20
